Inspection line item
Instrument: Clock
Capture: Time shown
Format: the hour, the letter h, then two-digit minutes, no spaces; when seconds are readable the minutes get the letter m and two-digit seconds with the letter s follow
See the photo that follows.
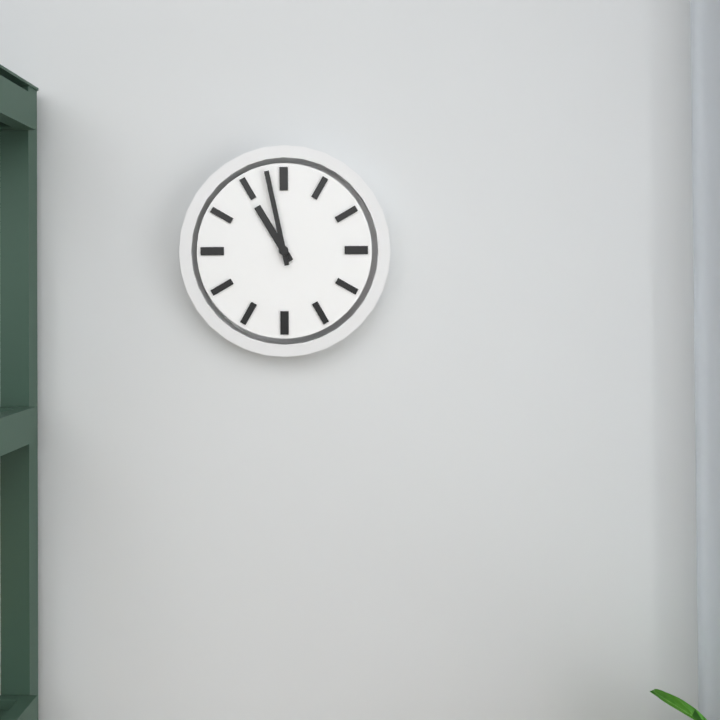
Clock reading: 10h58
